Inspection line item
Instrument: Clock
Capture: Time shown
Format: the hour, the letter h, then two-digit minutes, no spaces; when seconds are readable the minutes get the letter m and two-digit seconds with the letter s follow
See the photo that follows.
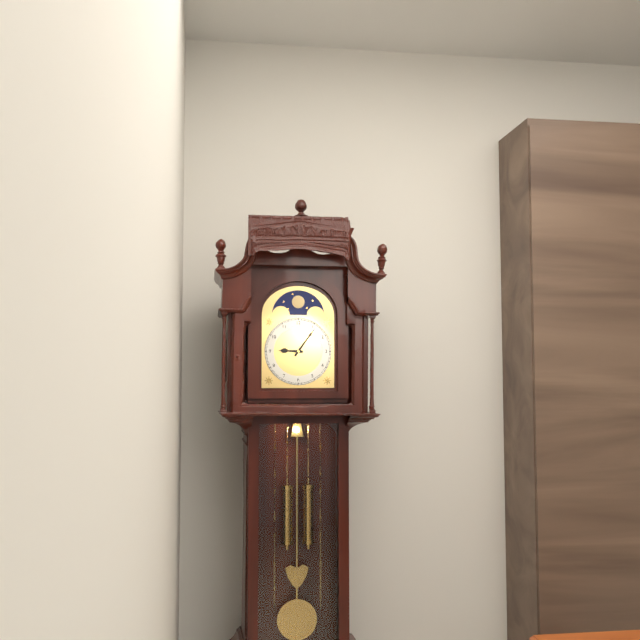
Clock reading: 9h06
